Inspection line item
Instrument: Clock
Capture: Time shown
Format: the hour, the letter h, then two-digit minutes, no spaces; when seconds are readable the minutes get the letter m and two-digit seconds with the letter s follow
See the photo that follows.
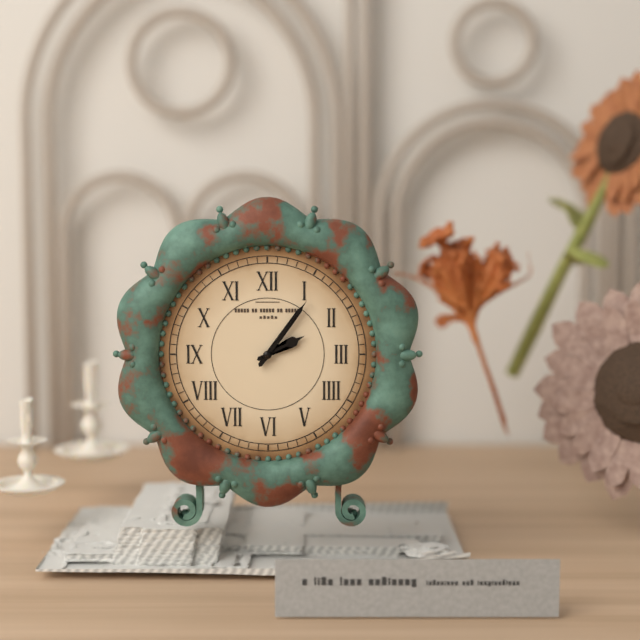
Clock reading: 2h06
